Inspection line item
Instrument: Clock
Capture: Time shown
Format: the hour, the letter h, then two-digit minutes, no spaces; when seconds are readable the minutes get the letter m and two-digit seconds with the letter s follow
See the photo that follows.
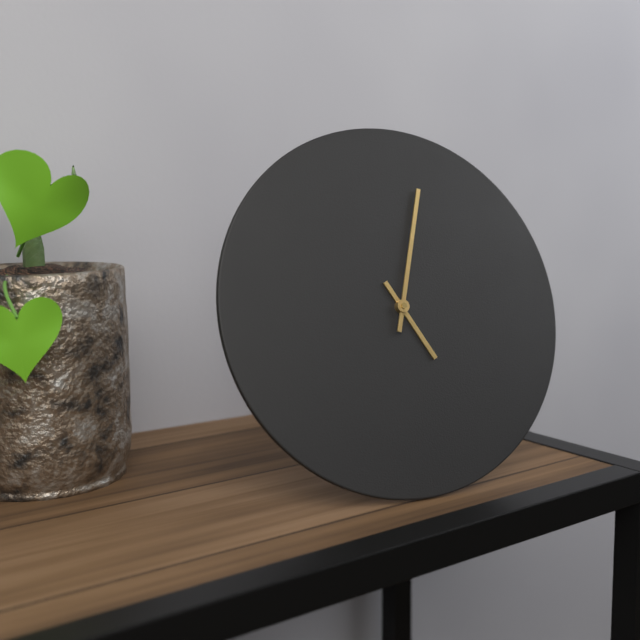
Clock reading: 5h03
